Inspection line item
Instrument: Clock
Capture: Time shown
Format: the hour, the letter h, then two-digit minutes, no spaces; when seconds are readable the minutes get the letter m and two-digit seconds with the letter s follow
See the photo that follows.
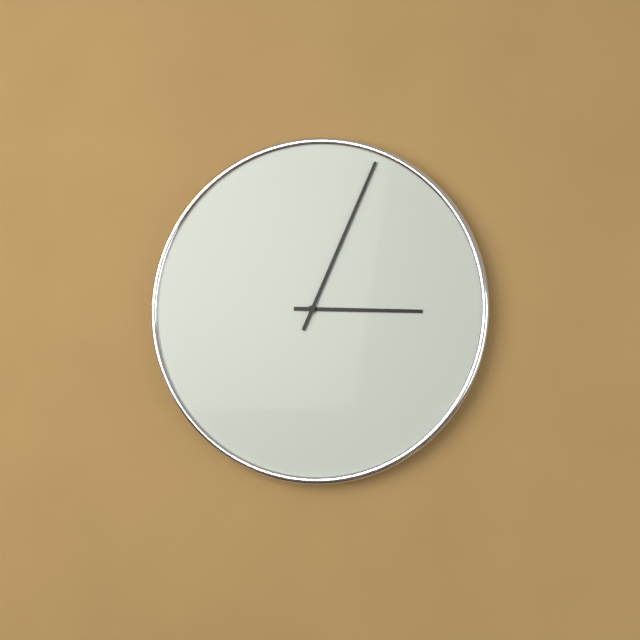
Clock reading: 3h04
